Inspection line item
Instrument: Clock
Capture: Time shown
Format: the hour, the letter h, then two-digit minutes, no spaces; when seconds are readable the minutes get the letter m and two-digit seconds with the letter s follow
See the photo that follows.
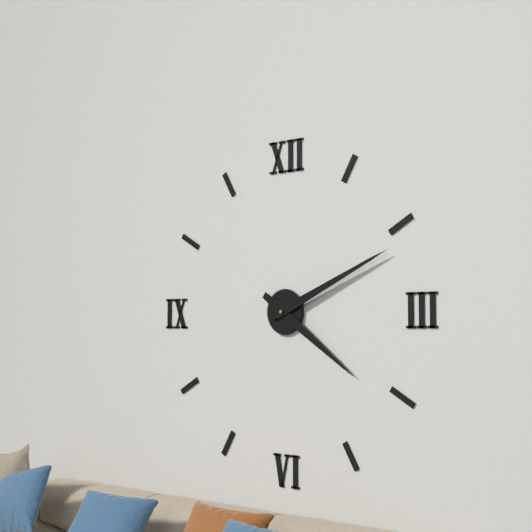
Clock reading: 4h11
